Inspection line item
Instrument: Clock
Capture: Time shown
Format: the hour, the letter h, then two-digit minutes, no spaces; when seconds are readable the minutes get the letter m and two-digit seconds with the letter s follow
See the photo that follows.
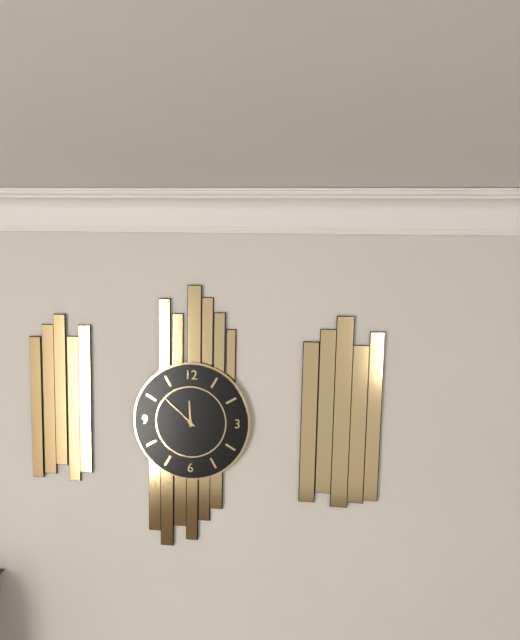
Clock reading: 11h52
